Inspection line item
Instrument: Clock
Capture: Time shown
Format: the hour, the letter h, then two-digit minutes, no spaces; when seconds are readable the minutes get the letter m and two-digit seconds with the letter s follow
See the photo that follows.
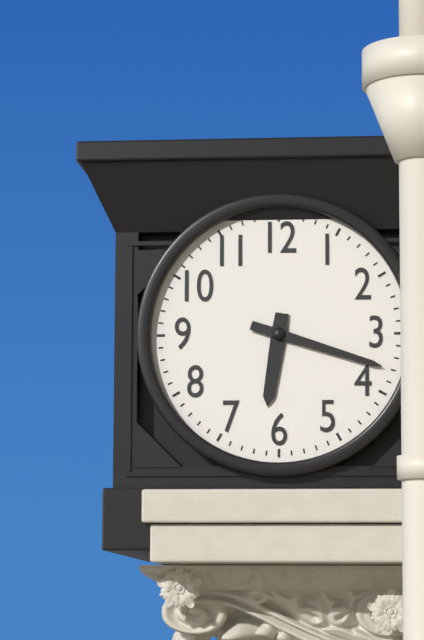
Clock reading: 6h18
